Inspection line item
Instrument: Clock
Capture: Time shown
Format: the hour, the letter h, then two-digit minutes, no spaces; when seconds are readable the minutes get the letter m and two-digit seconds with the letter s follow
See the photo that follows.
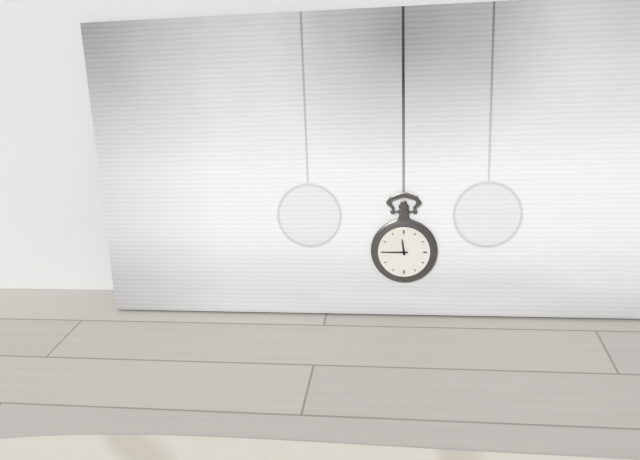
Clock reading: 11h45
